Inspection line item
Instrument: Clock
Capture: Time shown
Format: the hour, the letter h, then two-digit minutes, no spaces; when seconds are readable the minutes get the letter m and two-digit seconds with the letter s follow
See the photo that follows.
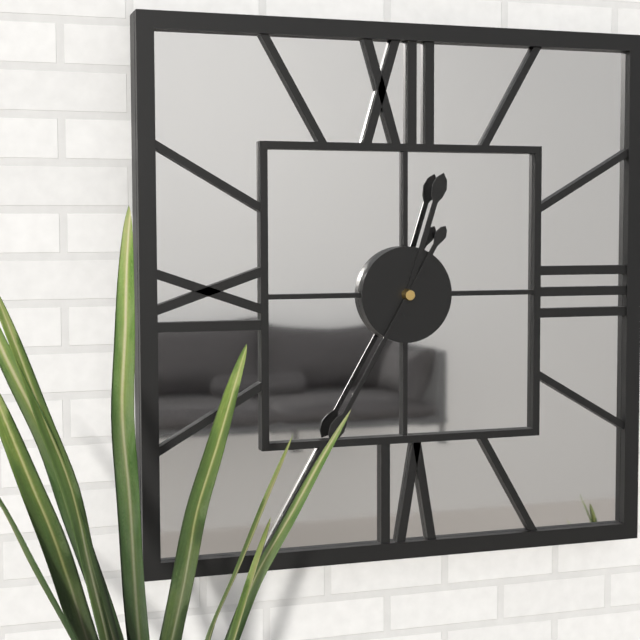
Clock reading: 12h35
